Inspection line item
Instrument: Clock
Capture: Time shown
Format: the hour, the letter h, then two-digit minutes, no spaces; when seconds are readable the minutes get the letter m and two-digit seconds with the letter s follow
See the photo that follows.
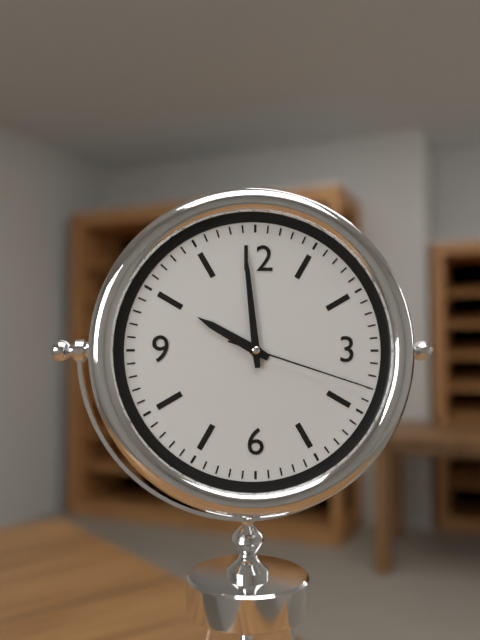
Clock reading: 9h59m18s
